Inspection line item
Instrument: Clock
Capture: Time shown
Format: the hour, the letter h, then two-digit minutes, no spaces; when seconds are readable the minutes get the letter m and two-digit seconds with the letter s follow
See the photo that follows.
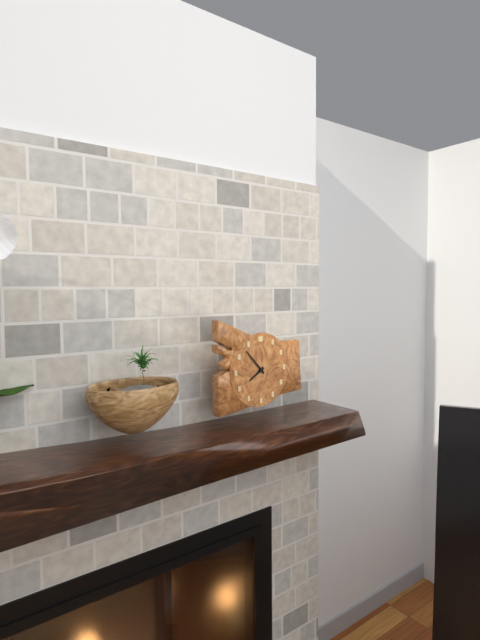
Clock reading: 7h53
